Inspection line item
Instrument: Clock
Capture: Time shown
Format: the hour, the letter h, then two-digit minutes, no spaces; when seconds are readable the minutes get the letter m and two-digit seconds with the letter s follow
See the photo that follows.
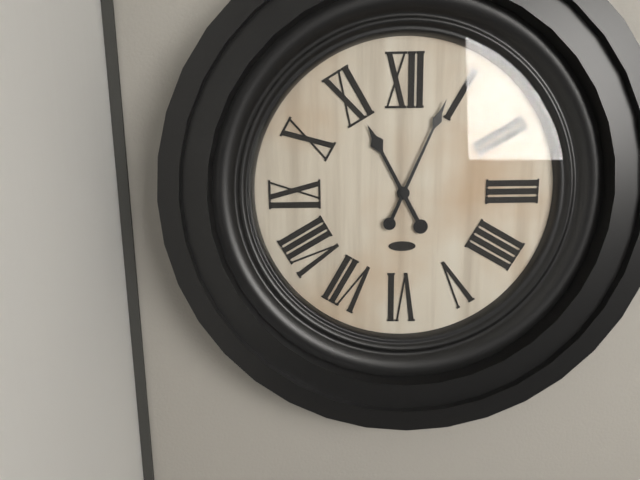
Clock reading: 11h04
